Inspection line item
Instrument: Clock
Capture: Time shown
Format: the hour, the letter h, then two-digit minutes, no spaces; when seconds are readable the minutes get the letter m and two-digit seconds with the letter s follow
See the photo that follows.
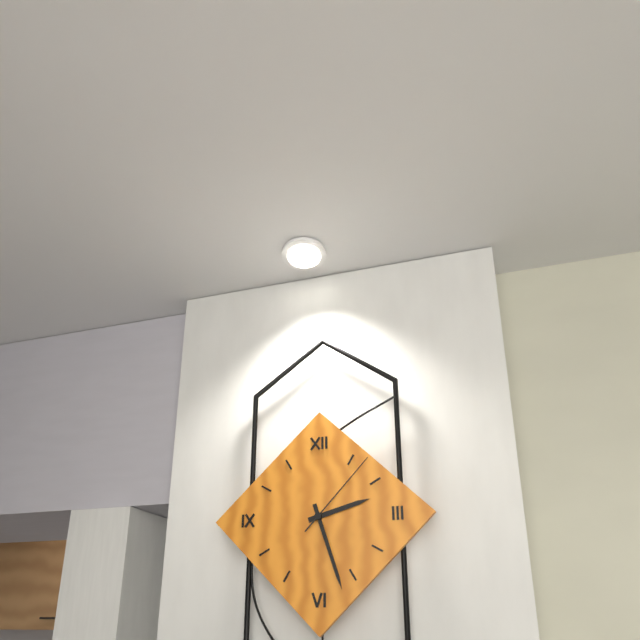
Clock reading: 2h27m07s
